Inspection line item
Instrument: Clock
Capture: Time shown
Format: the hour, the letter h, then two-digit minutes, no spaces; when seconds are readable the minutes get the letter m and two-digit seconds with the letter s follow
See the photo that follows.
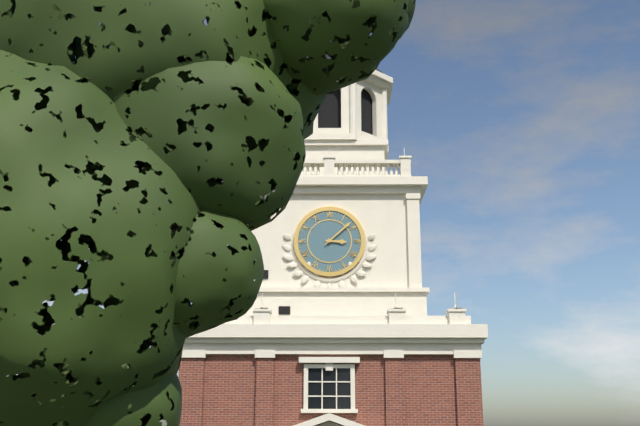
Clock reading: 3h08
